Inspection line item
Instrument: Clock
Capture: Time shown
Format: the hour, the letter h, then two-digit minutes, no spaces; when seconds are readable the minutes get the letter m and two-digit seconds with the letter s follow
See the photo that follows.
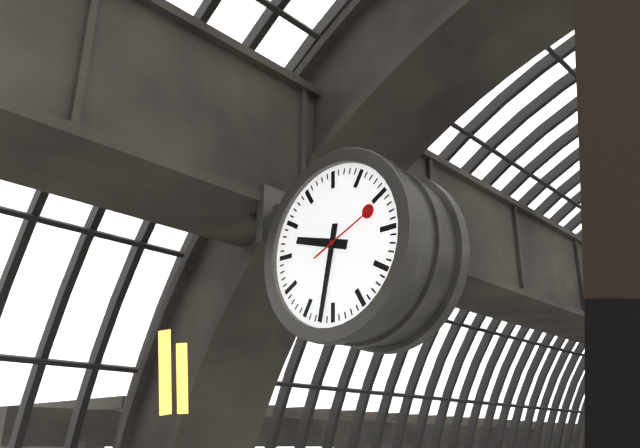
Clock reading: 9h32m11s
